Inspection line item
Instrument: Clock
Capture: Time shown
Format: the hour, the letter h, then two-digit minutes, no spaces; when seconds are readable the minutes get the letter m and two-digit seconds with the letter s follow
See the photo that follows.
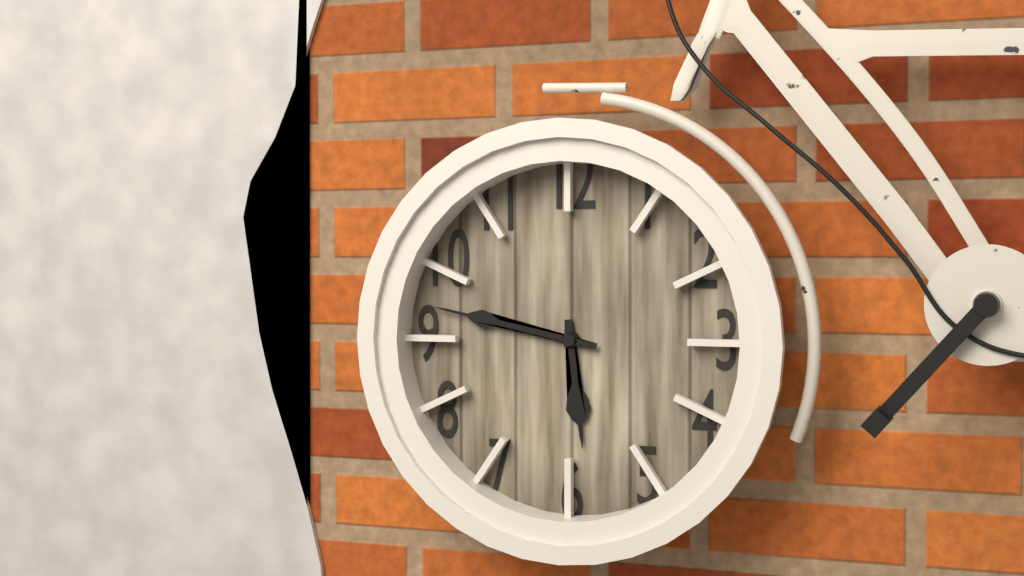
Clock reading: 5h47
